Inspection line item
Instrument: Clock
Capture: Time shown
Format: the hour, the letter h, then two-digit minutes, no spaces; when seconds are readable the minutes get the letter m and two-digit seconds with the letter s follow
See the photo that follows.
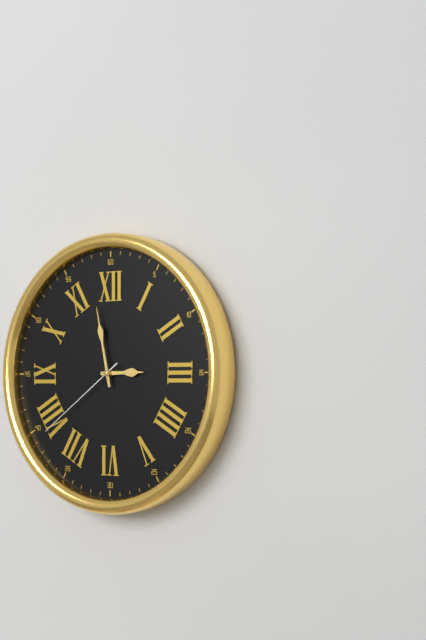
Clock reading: 2h58m39s
